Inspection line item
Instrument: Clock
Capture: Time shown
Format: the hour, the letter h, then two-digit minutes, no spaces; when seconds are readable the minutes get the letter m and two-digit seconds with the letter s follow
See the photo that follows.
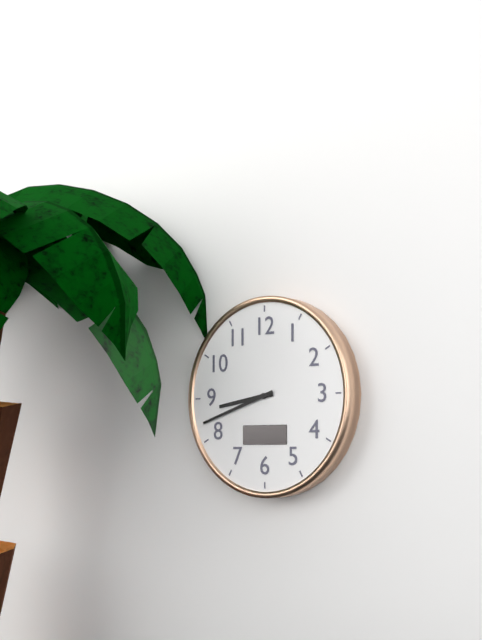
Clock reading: 8h42
